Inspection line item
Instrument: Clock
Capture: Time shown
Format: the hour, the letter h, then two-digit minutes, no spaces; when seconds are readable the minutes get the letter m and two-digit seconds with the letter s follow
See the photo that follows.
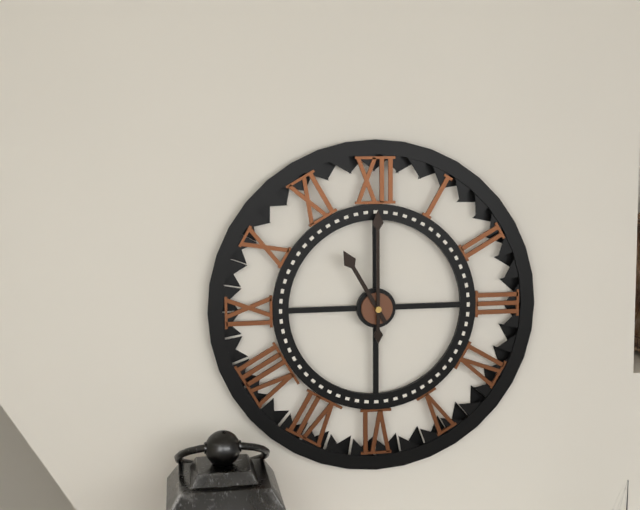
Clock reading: 11h00
